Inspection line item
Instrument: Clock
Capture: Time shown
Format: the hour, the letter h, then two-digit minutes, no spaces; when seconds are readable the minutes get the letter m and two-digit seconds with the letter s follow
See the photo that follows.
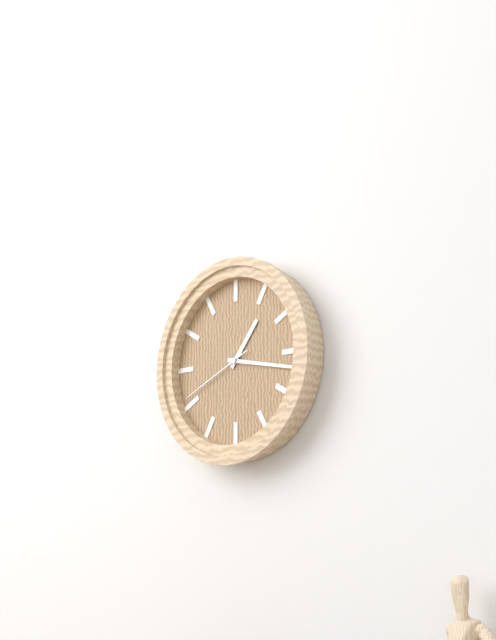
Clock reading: 1h17m41s
